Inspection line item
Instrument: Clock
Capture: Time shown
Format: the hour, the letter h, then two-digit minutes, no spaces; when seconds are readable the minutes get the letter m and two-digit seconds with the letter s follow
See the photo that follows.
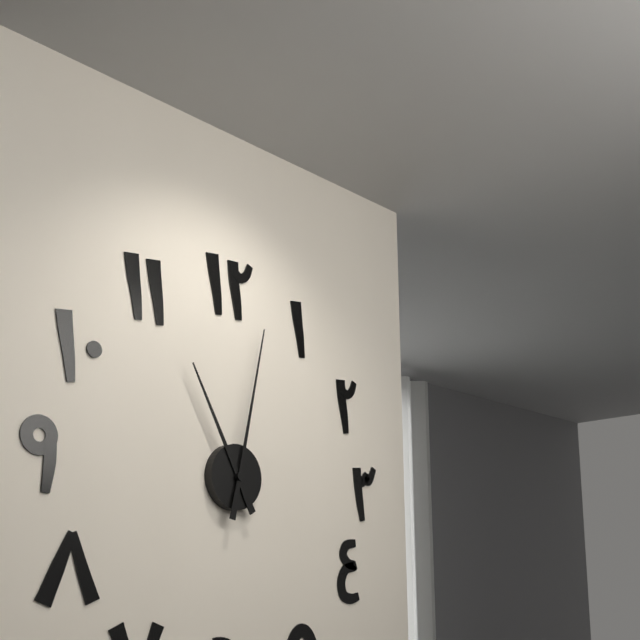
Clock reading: 11h02
